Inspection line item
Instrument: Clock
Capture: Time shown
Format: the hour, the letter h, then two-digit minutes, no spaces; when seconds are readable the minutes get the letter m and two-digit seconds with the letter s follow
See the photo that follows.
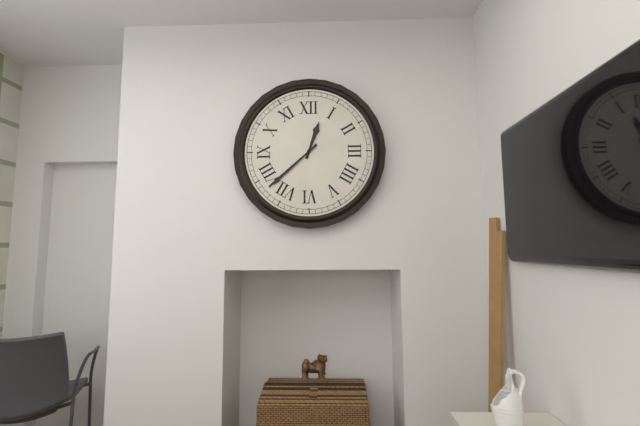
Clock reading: 12h38
